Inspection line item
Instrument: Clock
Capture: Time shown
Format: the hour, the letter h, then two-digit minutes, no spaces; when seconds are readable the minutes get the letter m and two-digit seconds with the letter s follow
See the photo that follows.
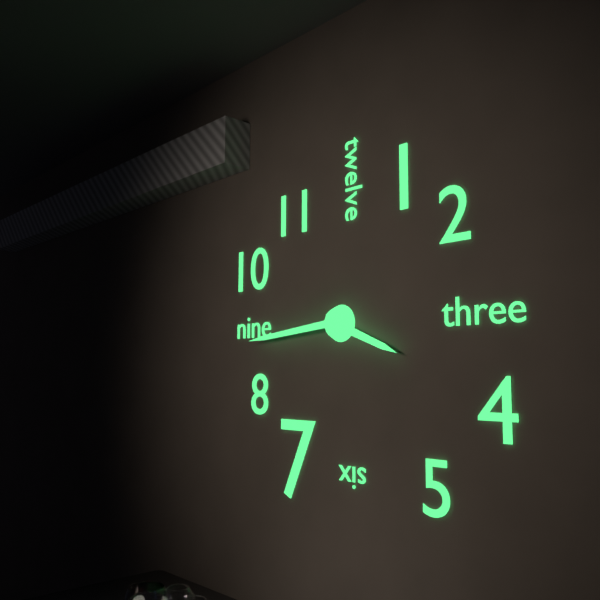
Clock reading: 3h44
